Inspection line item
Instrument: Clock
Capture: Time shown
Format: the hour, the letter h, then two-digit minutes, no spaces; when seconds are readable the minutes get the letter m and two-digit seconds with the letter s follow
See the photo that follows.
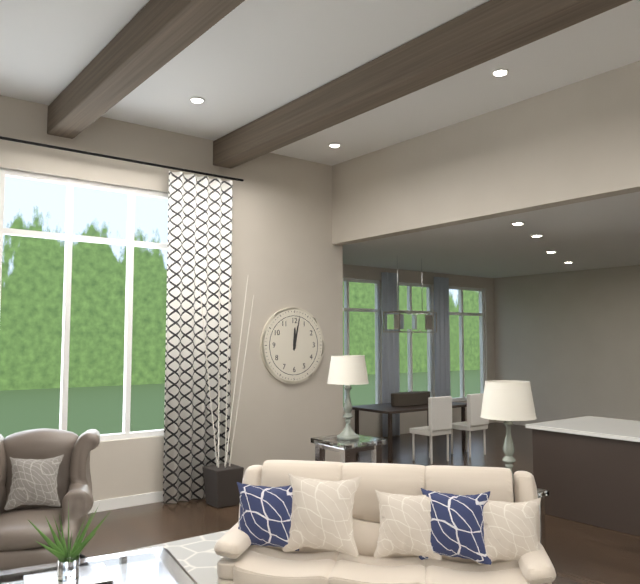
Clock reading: 12h02
